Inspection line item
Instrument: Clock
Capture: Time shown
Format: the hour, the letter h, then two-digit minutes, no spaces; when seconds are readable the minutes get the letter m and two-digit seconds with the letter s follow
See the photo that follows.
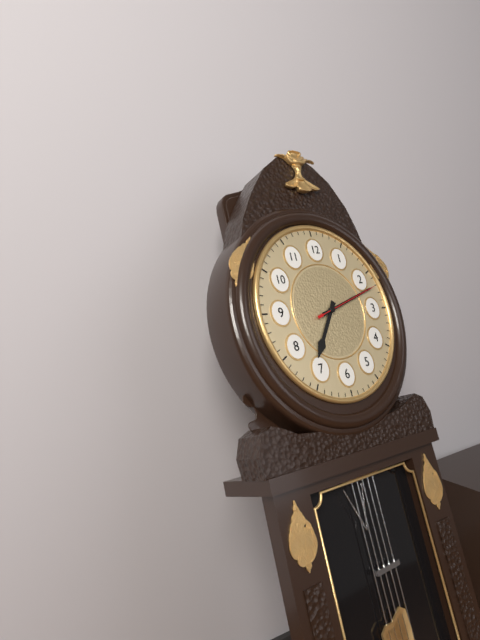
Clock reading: 7h12m12s
